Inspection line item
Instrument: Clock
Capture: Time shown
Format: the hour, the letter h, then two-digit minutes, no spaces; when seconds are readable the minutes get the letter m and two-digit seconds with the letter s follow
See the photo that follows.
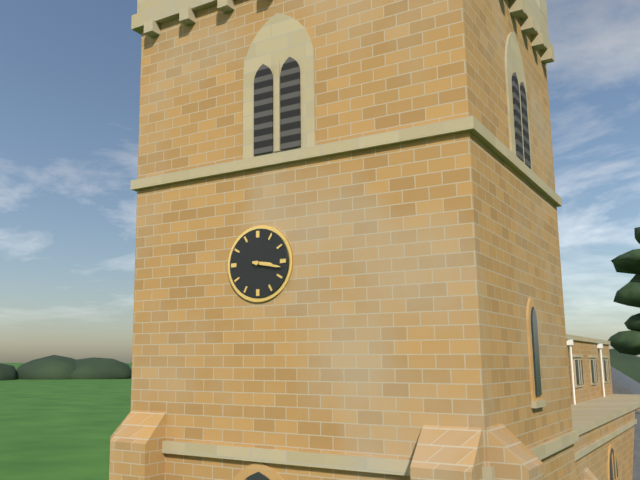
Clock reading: 3h17
